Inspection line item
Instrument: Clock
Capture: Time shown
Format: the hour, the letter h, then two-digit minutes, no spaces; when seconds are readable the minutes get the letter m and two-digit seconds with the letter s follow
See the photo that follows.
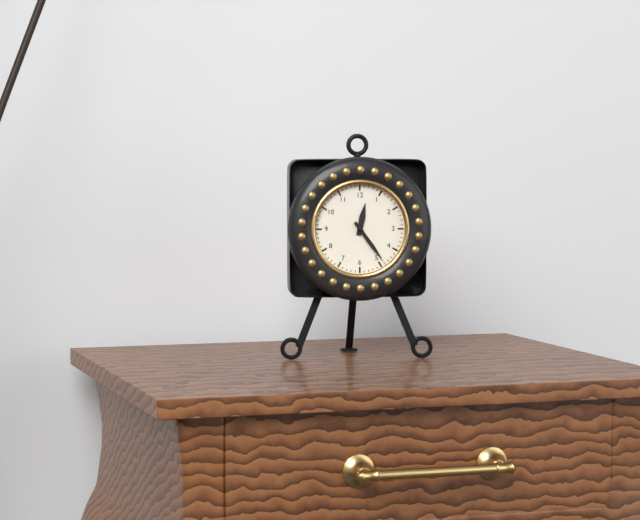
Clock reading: 12h24
